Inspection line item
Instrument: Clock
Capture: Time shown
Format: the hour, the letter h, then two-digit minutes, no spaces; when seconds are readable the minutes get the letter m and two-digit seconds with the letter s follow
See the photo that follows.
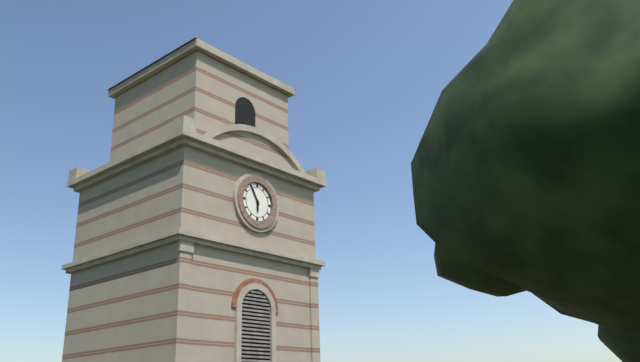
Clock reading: 5h55
